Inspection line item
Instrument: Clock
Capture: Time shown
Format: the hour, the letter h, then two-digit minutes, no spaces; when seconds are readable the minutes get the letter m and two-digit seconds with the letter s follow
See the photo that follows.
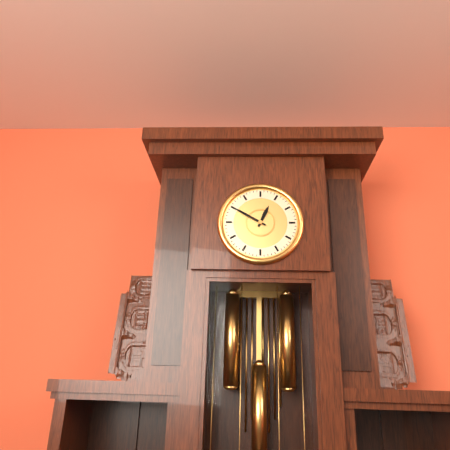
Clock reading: 12h50
